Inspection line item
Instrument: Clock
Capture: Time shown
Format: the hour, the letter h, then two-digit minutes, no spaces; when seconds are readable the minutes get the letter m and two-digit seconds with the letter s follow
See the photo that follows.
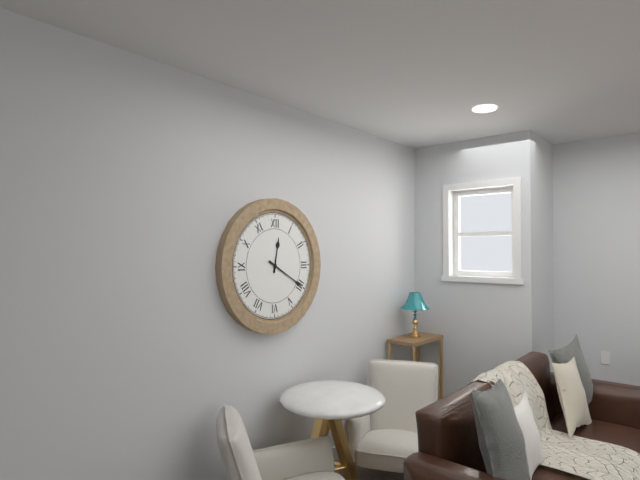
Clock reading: 12h20
